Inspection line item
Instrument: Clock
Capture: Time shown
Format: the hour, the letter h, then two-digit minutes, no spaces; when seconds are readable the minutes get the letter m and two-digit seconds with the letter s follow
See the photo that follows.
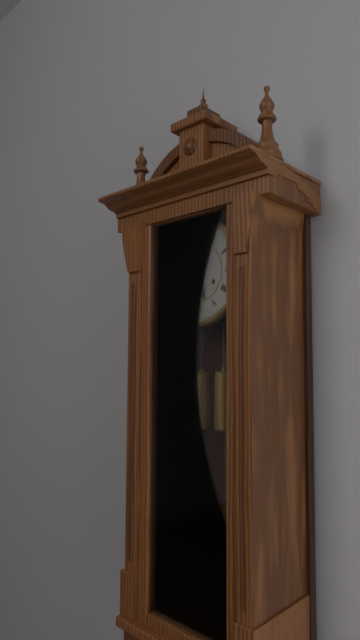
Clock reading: 5h32
